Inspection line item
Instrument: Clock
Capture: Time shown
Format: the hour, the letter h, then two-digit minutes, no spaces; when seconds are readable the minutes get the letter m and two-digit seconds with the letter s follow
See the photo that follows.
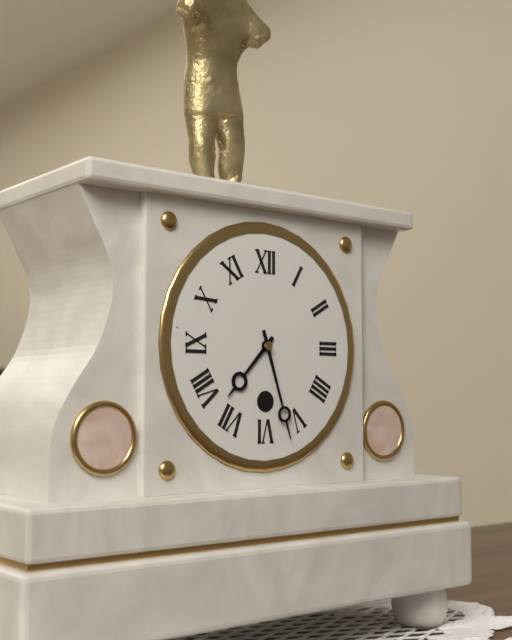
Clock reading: 7h27
